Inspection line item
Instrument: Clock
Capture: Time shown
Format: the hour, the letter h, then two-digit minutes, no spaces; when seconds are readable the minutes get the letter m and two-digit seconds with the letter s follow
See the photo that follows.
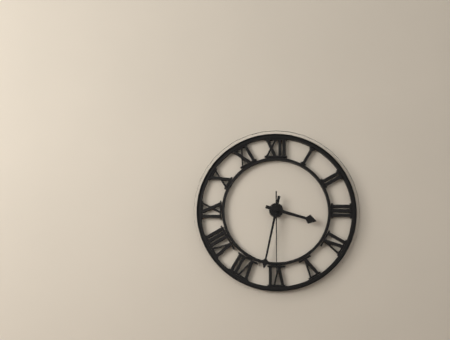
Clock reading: 3h32m30s
